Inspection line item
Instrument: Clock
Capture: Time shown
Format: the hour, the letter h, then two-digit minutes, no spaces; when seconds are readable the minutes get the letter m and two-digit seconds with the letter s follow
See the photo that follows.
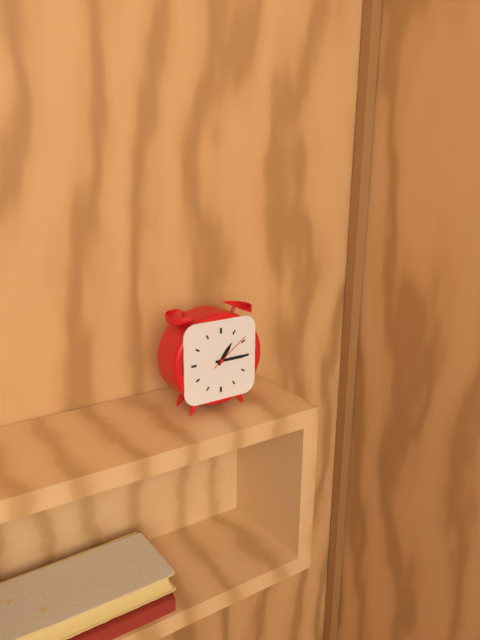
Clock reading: 1h15
